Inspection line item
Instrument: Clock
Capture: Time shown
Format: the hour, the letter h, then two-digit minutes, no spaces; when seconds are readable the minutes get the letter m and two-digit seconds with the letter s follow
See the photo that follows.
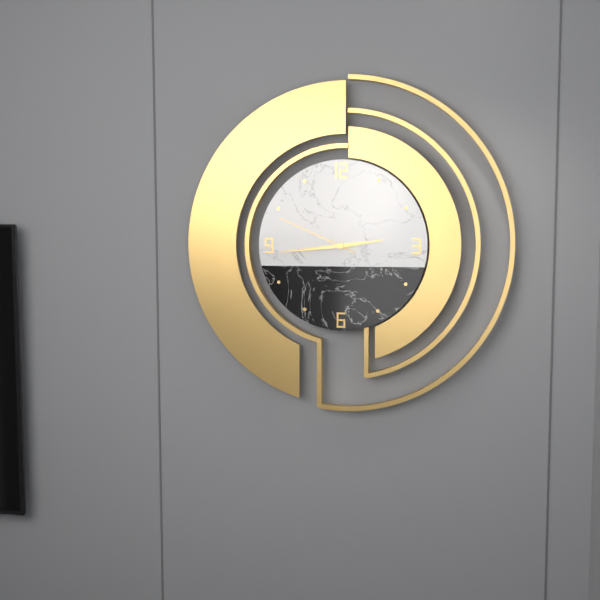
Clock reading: 2h44m49s
